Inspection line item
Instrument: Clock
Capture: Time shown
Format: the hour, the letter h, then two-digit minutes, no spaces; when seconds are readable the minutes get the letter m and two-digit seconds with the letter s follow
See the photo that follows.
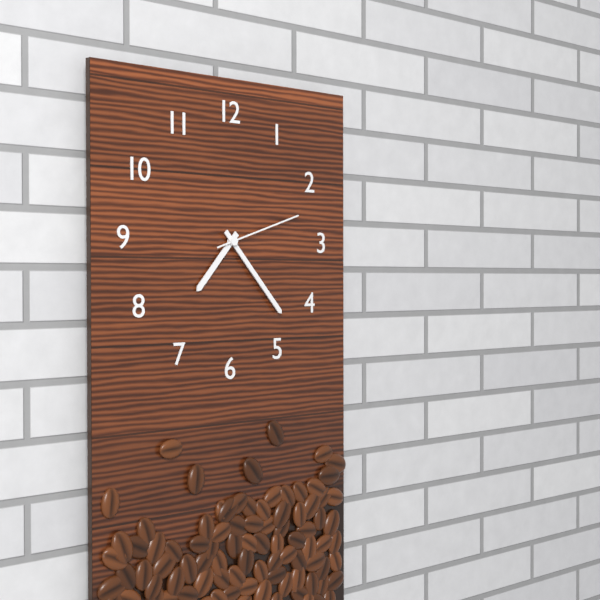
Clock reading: 7h23m12s
